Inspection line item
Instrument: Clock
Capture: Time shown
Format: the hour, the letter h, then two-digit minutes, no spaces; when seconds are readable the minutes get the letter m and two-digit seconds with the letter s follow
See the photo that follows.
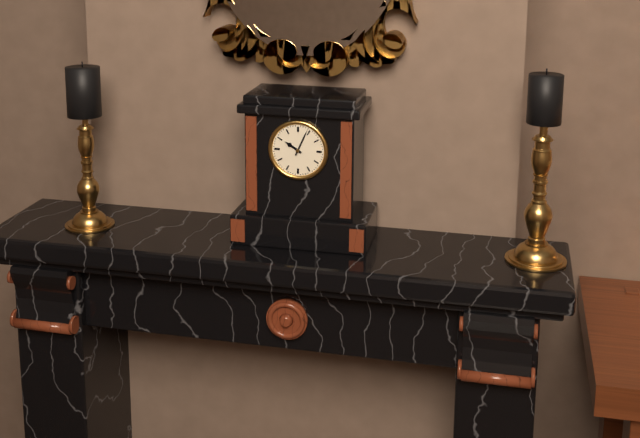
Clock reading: 10h04
